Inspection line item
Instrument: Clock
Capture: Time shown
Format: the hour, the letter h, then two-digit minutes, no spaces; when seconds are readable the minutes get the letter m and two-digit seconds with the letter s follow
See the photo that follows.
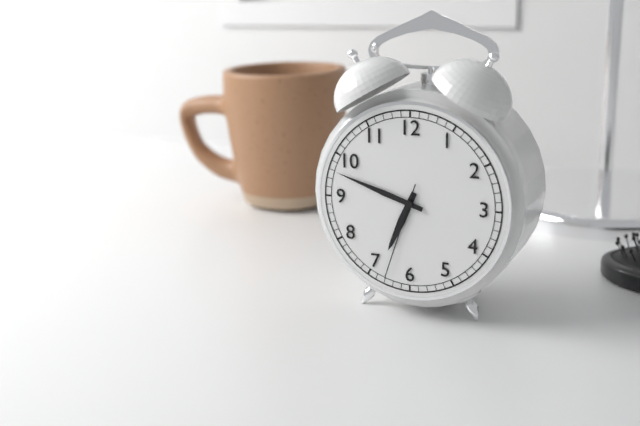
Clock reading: 6h48m33s
